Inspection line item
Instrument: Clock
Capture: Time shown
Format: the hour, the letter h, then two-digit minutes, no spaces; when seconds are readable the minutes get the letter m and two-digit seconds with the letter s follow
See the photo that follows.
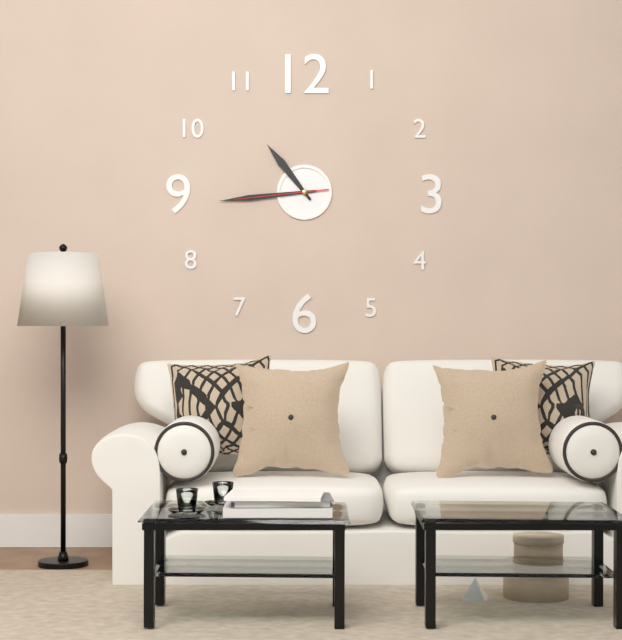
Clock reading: 10h44m44s
